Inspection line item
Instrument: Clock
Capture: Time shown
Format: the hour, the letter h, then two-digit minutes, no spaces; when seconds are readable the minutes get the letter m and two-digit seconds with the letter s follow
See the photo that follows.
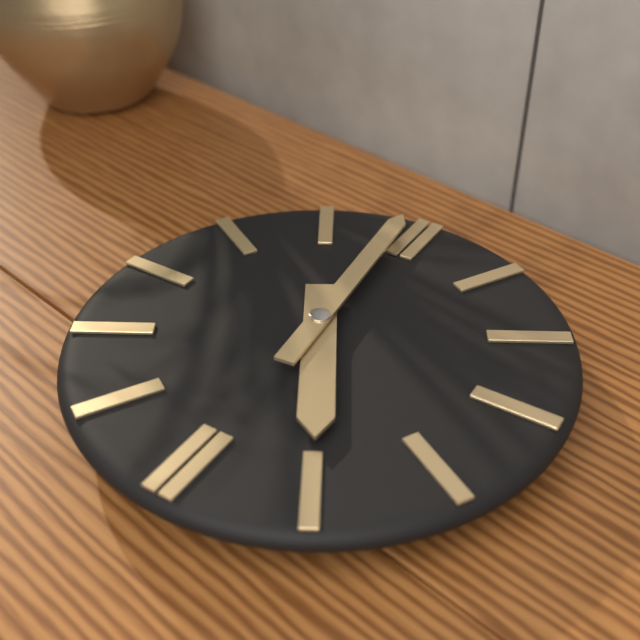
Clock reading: 4h59
